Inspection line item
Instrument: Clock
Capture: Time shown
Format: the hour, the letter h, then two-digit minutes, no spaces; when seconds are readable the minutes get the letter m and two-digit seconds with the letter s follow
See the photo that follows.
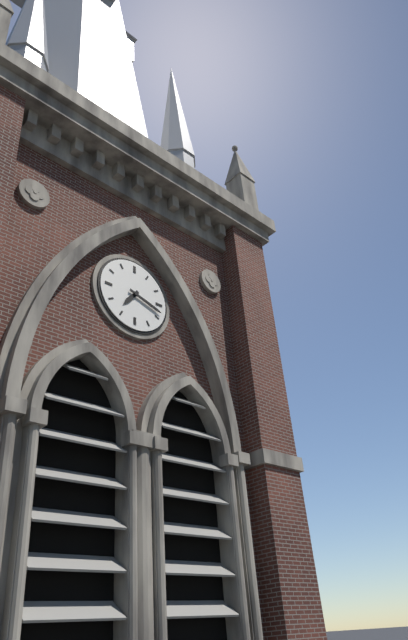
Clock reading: 7h18
